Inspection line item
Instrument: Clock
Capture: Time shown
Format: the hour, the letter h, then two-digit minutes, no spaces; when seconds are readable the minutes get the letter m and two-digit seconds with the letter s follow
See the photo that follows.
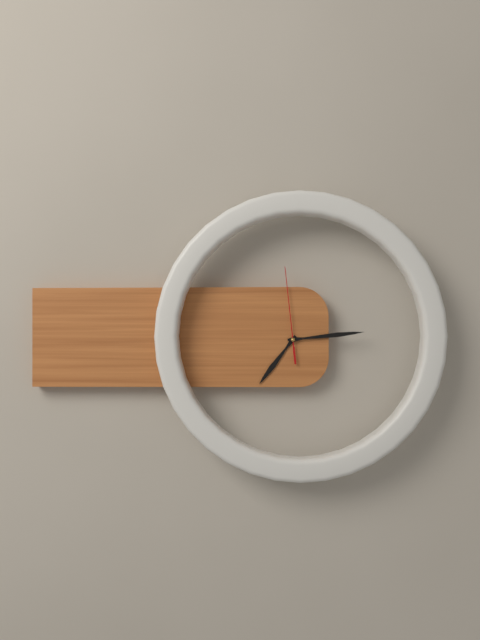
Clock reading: 7h14m59s
